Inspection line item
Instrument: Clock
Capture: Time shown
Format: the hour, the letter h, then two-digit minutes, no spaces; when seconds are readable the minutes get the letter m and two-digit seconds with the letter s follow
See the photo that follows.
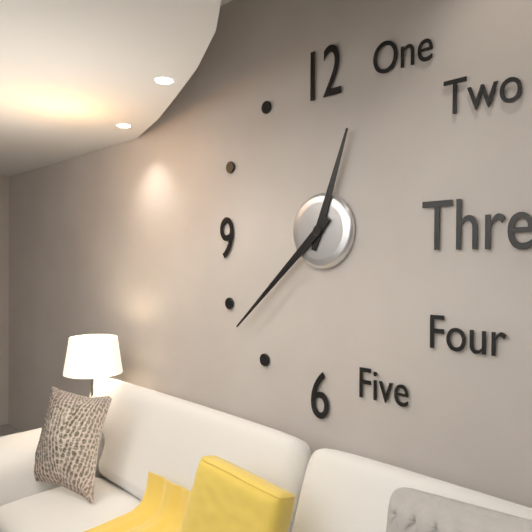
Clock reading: 12h38
